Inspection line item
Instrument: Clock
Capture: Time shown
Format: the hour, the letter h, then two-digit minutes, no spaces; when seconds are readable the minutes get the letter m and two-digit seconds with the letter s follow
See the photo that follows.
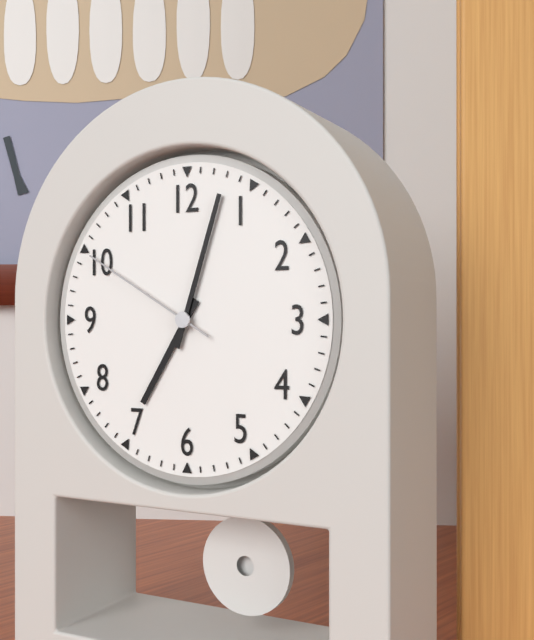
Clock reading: 7h03m50s
